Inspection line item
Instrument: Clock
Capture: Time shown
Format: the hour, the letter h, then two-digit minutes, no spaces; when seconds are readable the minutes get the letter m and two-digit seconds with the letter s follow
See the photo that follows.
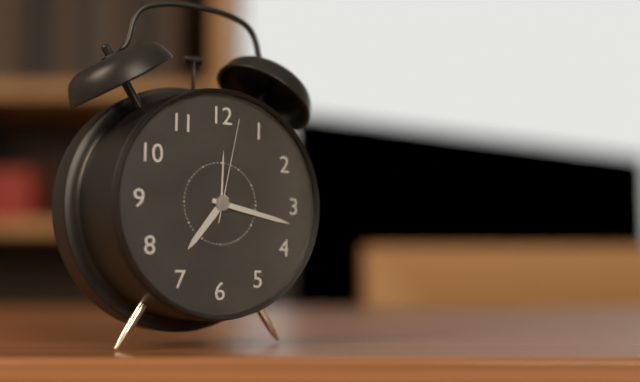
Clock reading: 7h17m02s
